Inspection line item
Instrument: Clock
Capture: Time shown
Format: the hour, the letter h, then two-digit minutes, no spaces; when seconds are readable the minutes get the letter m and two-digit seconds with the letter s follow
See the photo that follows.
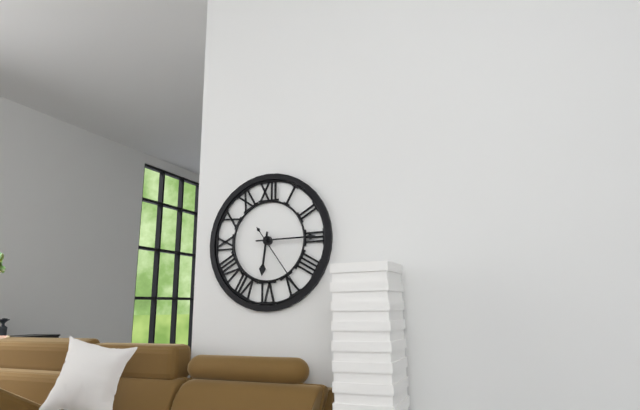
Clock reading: 6h15m24s
